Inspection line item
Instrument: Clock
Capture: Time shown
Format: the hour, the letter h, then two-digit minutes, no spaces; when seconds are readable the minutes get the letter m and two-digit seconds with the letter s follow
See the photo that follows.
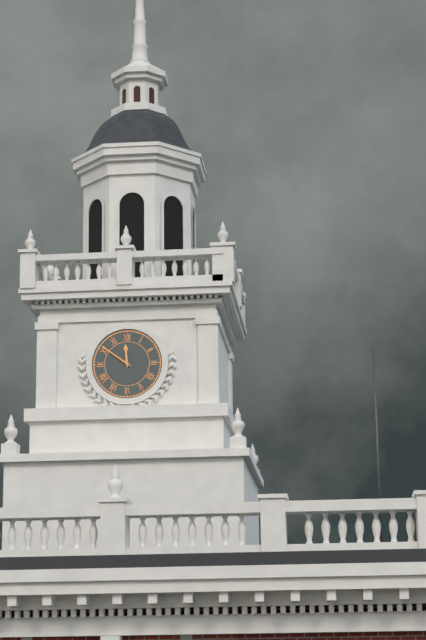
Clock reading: 11h51
